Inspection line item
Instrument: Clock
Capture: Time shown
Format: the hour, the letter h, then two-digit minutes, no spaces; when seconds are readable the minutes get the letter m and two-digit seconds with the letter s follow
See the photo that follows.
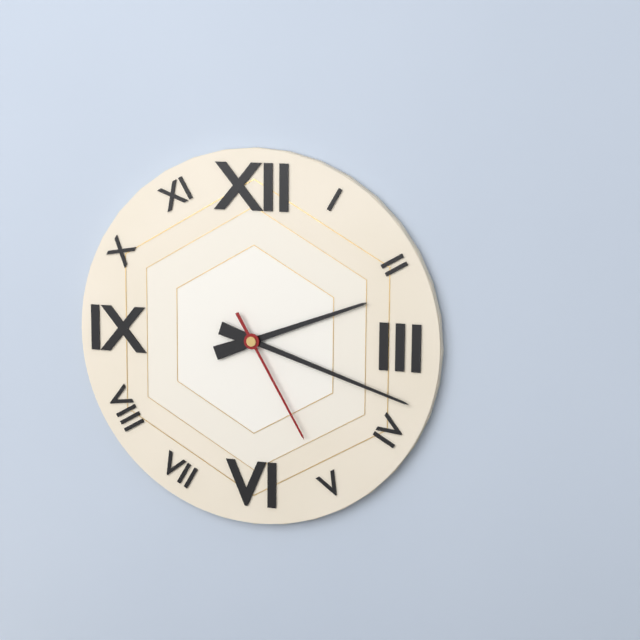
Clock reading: 2h18m25s
